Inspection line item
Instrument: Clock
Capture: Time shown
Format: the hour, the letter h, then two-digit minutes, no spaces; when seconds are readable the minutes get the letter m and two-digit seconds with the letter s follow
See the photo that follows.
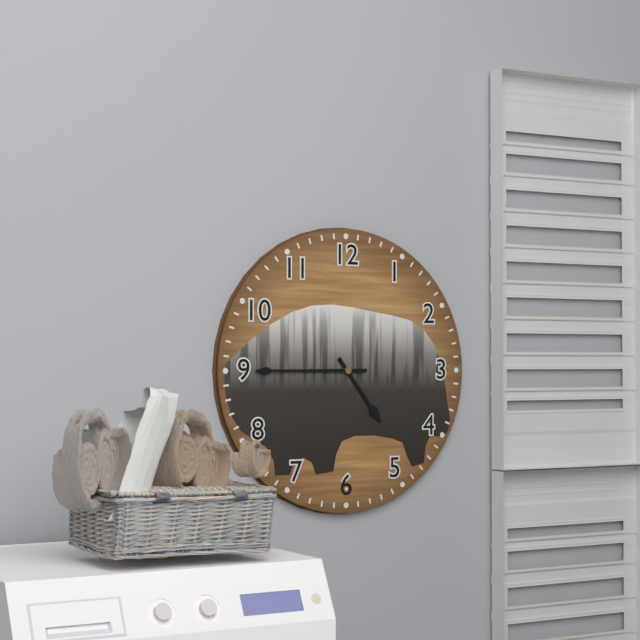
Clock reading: 4h45
